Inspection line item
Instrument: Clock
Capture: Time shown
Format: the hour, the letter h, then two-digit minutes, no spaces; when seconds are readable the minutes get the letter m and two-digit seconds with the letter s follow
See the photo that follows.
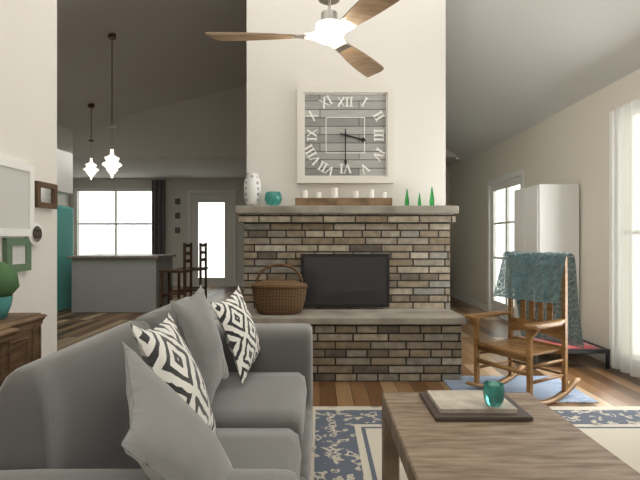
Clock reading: 3h30
